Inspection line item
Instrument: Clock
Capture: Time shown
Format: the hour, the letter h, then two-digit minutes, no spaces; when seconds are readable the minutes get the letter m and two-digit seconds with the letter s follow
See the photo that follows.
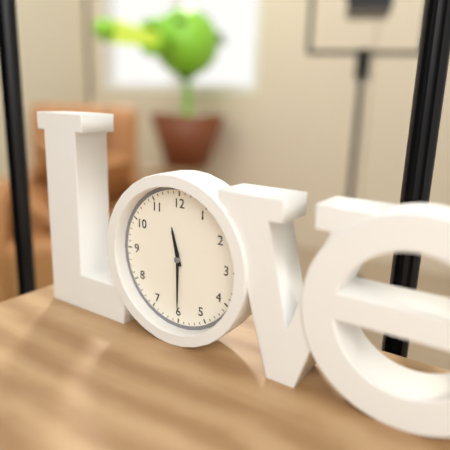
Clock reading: 11h30
